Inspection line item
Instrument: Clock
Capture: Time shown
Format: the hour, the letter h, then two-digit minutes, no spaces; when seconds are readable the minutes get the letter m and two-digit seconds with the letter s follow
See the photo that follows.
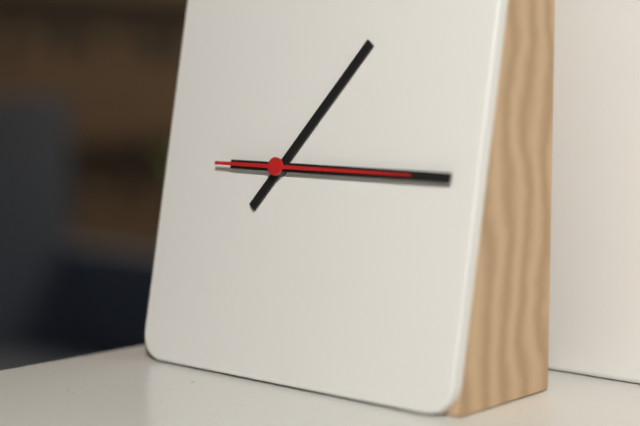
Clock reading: 1h15m15s
